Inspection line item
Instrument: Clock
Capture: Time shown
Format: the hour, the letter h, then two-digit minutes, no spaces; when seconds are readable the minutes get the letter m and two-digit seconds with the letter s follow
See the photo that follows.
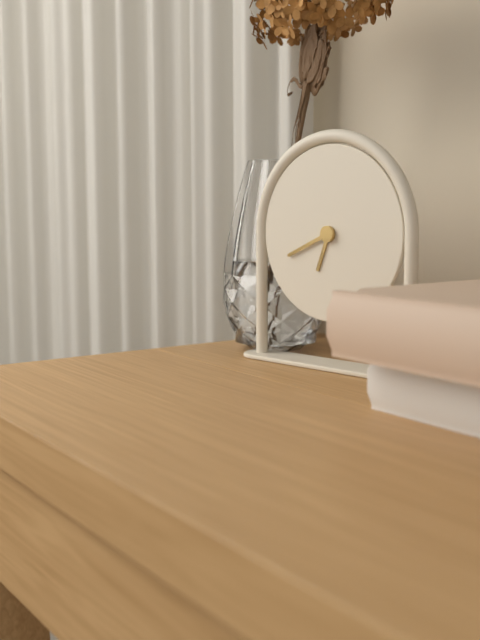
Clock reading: 6h41
